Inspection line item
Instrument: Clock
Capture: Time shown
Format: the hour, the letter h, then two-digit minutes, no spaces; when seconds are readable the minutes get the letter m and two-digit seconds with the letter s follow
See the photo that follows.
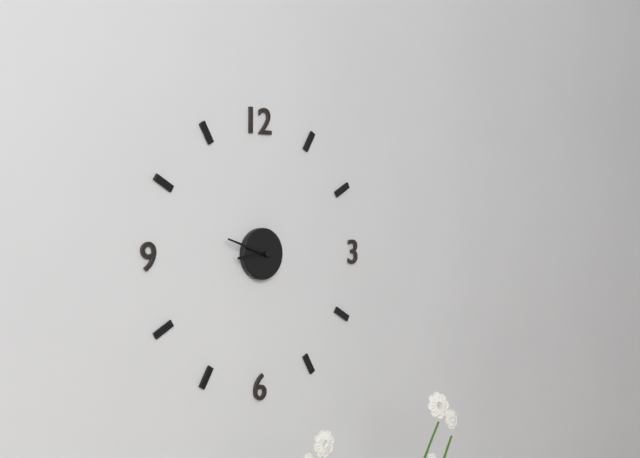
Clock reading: 8h48
